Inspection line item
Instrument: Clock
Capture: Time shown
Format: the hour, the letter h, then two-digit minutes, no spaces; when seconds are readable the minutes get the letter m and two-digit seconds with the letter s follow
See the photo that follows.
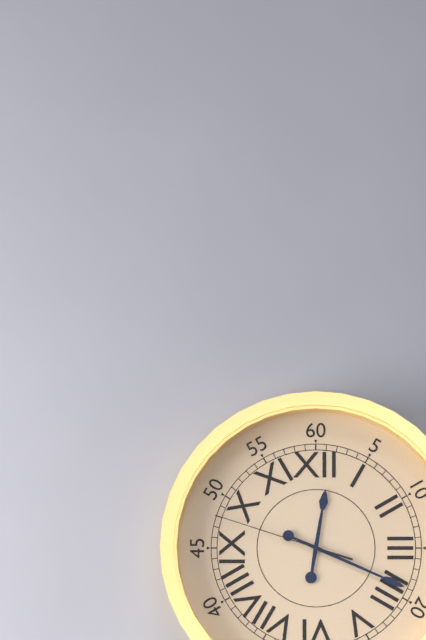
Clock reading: 12h19m48s
